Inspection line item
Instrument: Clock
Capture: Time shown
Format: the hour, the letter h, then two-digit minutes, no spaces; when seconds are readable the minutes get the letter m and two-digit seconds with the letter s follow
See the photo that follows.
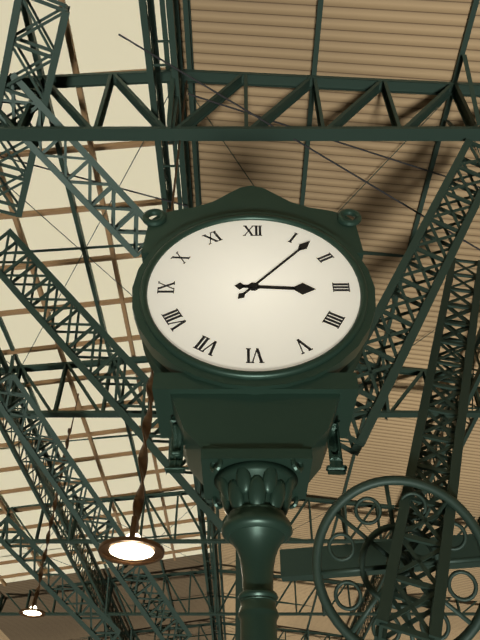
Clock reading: 3h07
